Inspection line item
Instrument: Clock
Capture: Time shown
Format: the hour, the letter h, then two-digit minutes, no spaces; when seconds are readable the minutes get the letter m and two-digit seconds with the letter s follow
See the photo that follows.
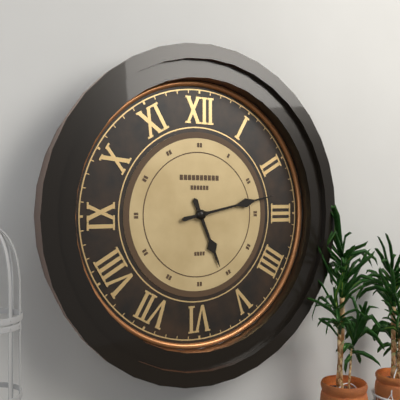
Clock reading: 5h13
